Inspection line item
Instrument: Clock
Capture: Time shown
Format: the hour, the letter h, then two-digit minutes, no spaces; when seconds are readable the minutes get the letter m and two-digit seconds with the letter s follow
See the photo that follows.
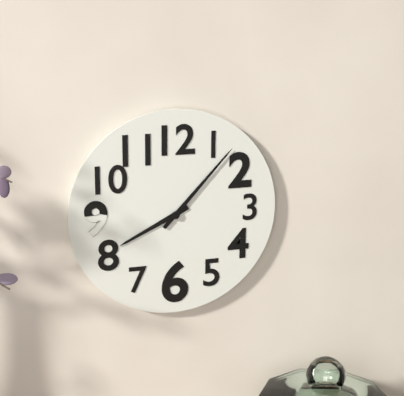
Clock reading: 8h07
